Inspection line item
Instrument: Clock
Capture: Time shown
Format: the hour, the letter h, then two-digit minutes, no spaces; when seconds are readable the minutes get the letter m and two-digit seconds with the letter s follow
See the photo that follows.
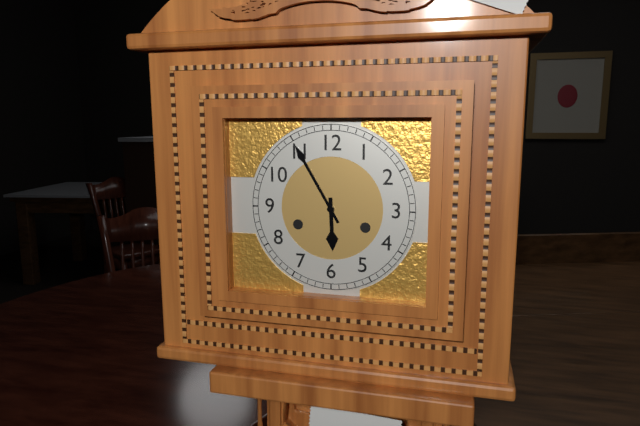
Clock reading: 5h55
